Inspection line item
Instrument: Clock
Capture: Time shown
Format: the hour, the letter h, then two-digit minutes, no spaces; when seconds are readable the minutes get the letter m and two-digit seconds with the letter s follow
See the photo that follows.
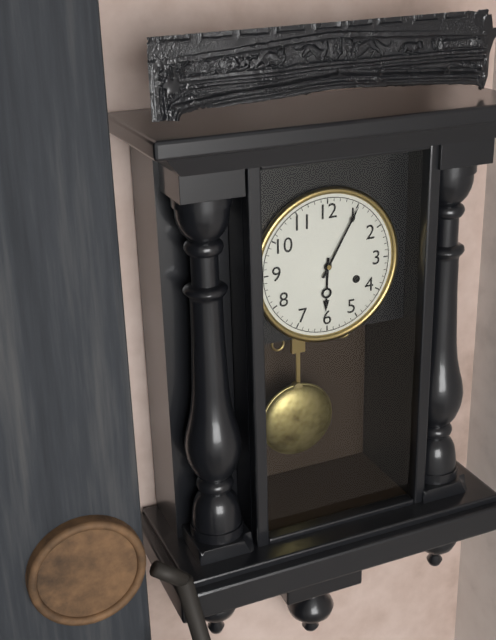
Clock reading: 6h05
